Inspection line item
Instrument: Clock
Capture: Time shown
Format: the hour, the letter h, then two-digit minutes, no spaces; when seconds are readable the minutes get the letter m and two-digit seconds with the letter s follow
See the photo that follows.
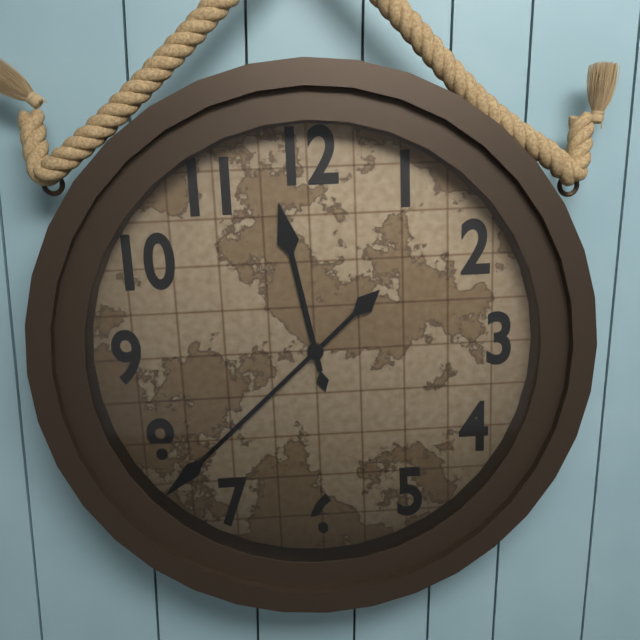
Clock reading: 11h38
